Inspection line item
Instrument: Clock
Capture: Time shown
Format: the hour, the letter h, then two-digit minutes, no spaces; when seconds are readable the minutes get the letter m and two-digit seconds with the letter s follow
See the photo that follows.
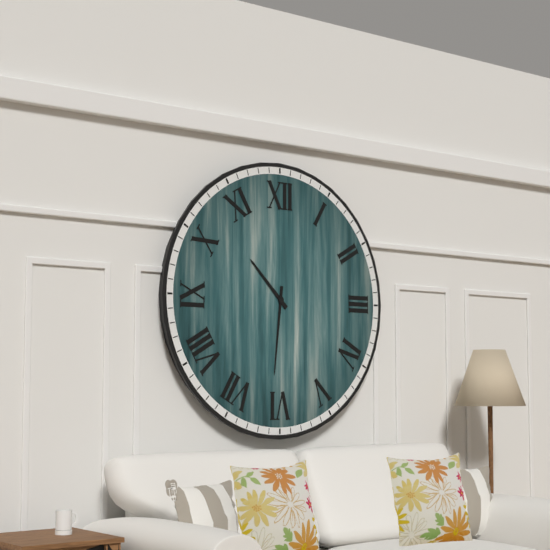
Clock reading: 10h31
